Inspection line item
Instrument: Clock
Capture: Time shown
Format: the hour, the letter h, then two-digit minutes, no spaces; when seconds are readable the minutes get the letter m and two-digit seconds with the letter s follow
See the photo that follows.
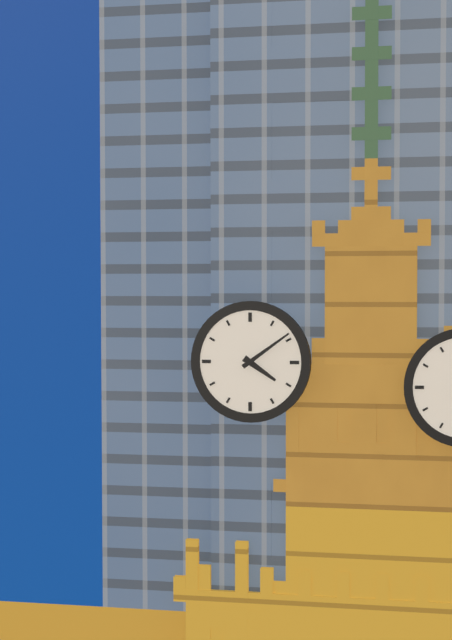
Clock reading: 4h09
